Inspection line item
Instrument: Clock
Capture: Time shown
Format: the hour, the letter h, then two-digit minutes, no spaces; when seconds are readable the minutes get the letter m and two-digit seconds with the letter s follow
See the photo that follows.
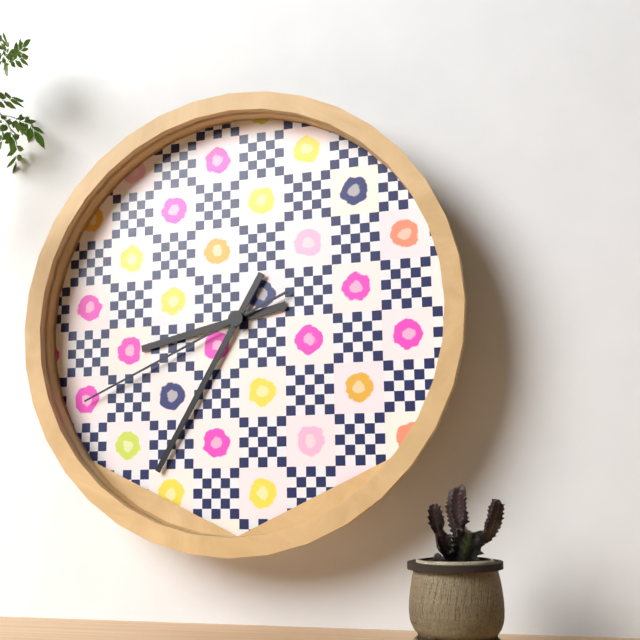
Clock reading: 8h35m41s
